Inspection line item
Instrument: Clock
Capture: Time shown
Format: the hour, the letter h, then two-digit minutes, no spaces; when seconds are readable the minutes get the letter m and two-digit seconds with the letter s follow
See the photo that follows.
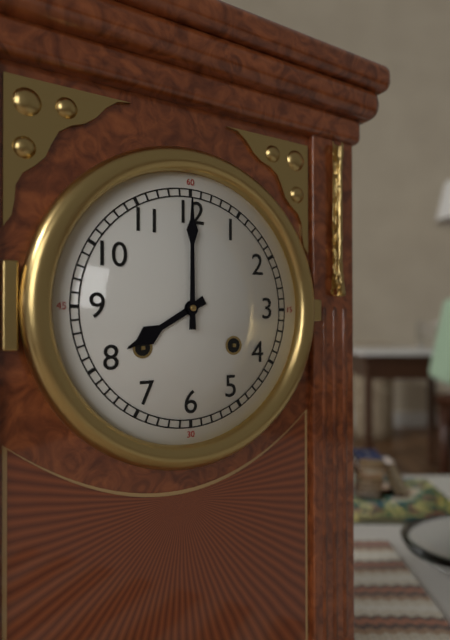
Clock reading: 8h00
